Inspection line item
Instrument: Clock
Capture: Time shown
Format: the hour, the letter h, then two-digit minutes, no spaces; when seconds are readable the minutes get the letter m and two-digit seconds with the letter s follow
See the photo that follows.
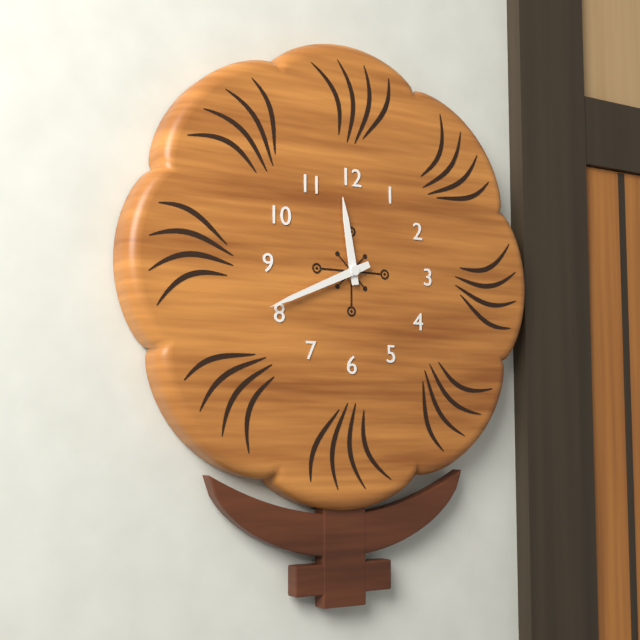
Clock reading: 11h41
